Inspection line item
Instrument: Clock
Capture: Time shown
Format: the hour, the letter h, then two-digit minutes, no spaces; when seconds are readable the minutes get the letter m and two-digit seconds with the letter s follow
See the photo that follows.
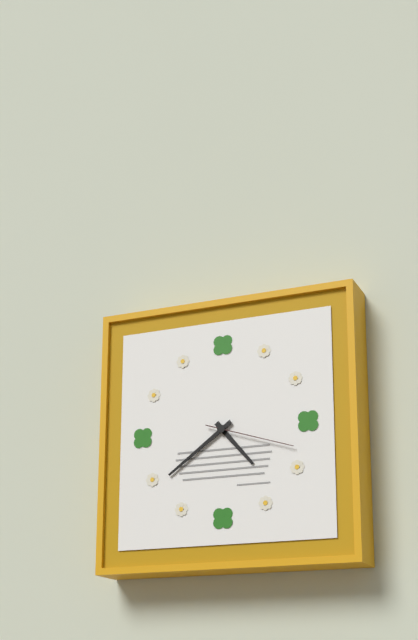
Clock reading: 4h39m18s
